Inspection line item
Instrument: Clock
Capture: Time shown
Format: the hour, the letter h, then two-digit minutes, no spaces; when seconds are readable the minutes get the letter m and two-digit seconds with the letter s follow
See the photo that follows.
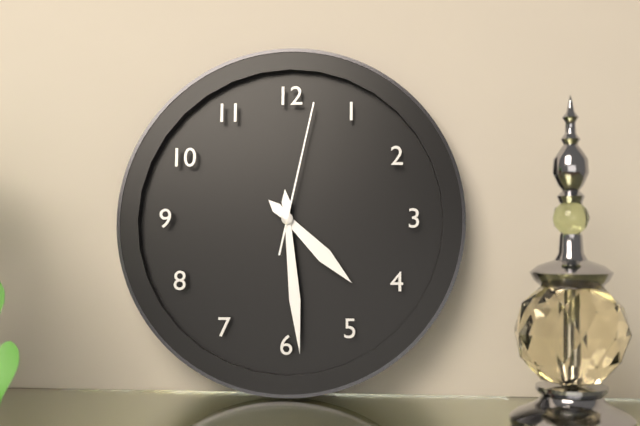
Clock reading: 4h29m02s
